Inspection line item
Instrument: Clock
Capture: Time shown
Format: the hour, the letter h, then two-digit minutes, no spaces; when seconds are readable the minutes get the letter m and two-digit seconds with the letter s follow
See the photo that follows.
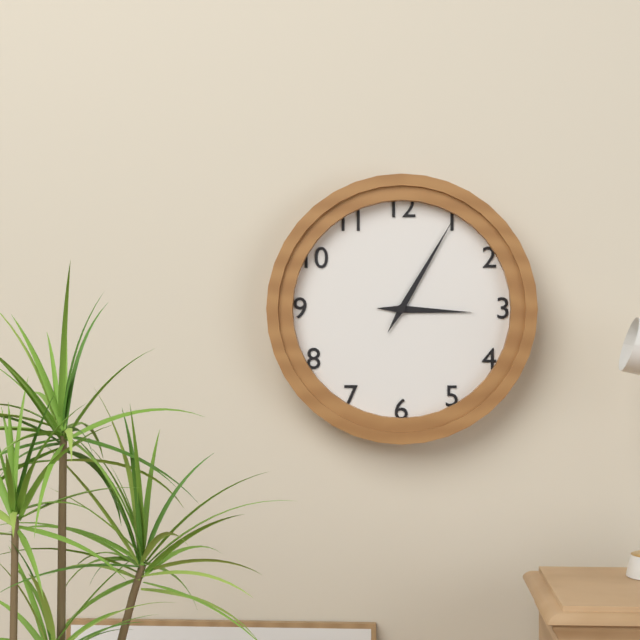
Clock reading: 3h05
